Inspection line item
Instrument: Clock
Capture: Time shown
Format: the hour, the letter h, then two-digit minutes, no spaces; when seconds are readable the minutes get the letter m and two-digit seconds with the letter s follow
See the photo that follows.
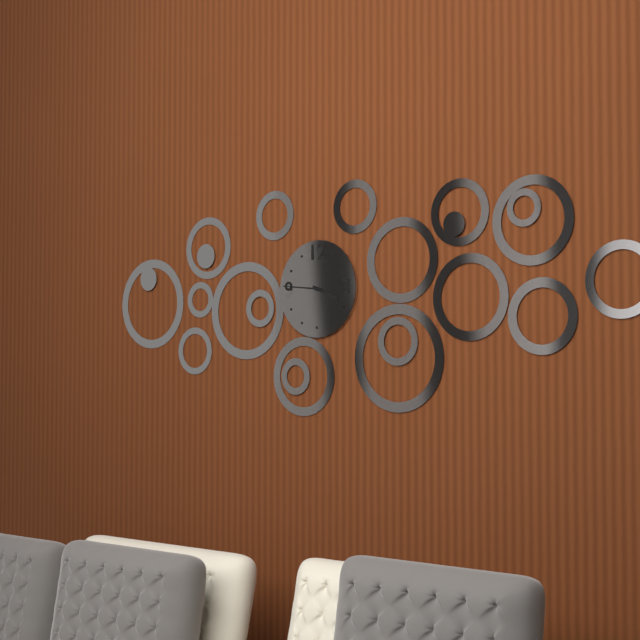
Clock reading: 3h46
